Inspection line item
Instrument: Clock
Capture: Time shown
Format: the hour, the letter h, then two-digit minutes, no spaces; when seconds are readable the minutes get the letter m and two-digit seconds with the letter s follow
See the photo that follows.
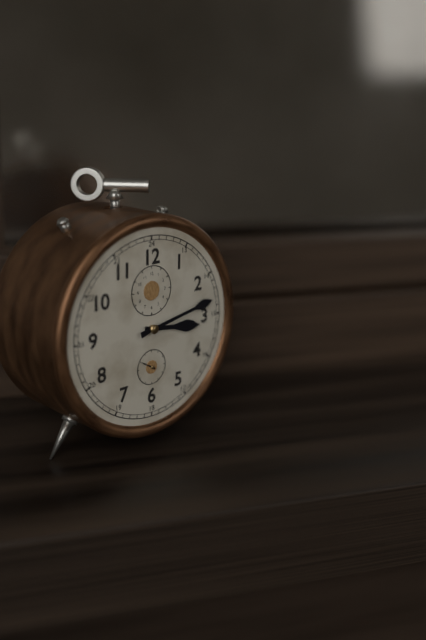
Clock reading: 3h13
